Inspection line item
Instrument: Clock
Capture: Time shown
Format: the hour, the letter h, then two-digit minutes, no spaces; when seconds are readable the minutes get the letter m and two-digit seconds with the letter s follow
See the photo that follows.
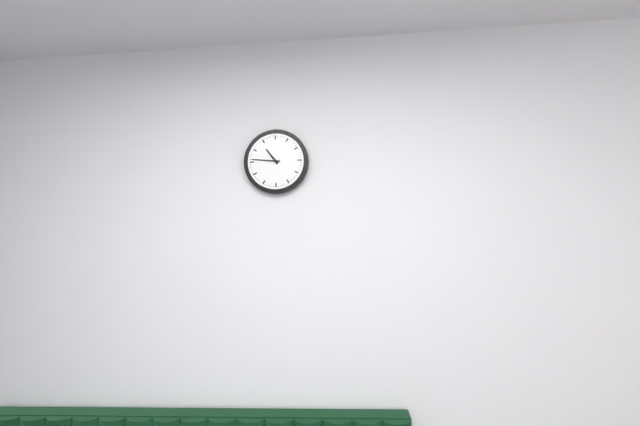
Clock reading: 10h46
